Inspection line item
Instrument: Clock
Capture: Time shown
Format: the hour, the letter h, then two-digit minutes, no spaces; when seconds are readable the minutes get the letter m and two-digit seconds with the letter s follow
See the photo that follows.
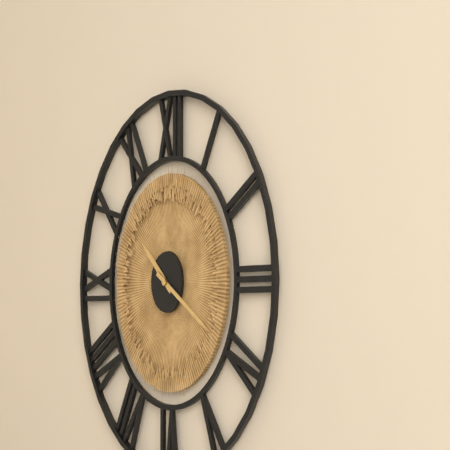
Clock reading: 10h20
